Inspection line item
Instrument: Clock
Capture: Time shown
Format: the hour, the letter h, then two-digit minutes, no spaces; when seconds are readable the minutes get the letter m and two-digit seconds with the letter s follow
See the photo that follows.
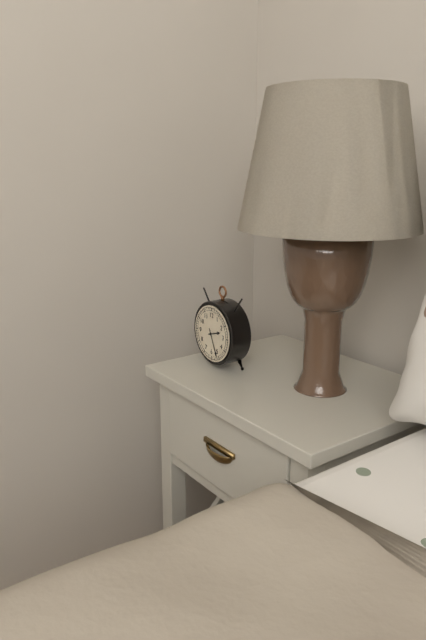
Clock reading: 2h26
